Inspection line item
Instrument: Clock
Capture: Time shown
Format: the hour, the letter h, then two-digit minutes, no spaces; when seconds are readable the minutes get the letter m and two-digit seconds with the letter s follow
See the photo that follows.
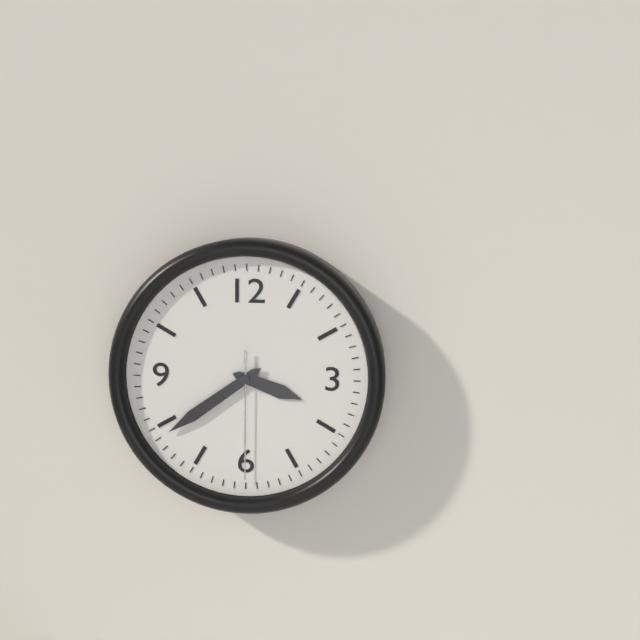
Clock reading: 3h39m30s
